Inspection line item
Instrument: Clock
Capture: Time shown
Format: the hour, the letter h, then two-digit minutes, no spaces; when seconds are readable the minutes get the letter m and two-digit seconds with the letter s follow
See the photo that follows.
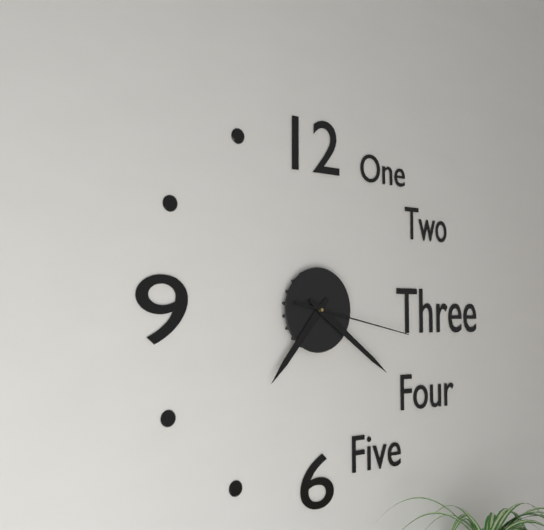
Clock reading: 7h21m17s
